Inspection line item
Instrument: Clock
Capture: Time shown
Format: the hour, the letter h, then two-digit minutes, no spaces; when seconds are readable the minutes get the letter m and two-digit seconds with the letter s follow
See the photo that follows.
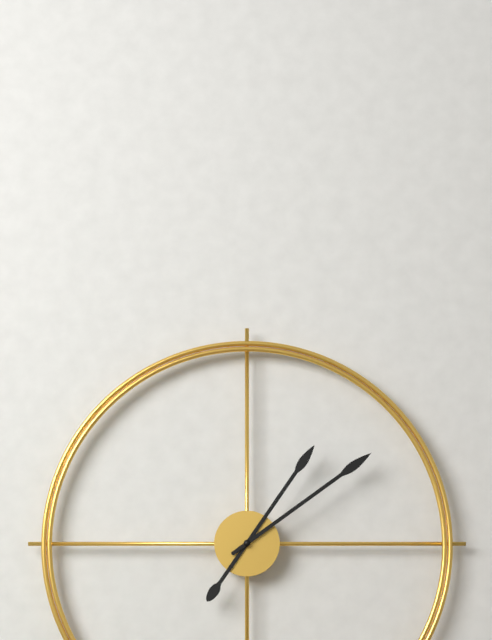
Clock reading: 1h09
